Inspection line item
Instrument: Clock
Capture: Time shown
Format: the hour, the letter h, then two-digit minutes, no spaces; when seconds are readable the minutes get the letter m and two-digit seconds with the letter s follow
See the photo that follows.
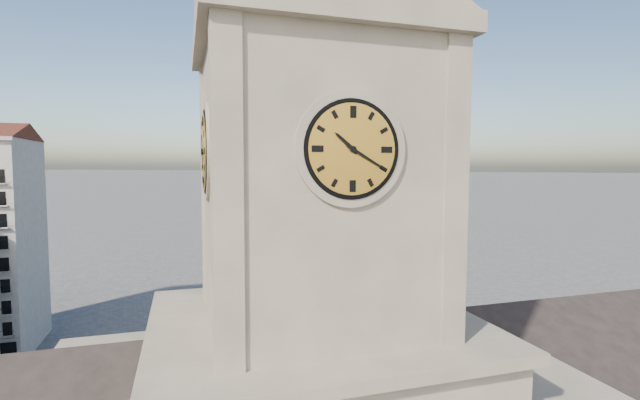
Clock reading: 10h20
